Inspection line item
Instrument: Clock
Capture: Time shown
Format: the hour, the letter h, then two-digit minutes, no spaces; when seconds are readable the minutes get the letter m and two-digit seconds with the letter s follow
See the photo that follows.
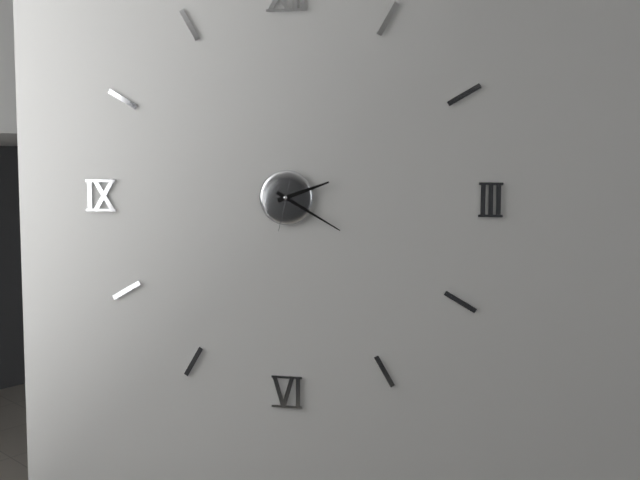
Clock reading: 2h20
